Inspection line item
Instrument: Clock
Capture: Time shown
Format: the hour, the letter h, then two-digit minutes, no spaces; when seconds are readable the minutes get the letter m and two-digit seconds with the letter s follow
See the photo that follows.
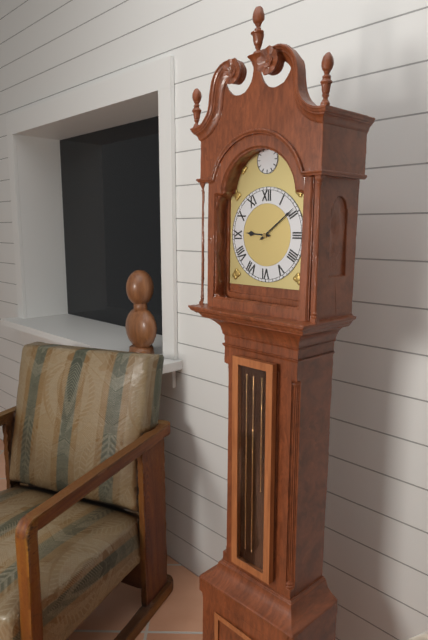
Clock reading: 9h09
